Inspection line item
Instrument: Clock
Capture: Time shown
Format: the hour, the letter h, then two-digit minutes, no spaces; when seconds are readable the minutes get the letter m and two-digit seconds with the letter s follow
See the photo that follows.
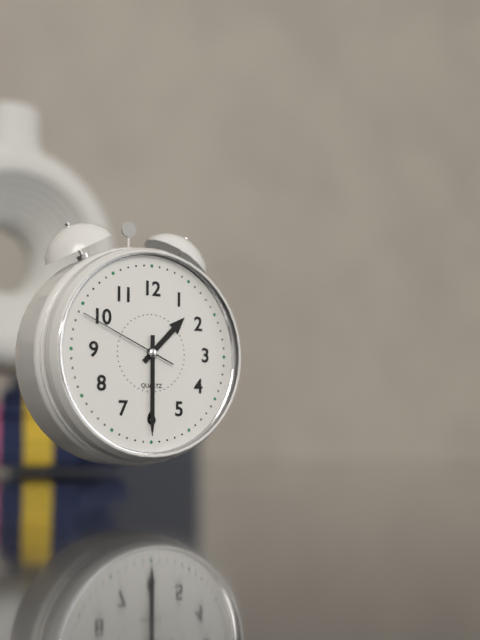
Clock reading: 1h30m49s
